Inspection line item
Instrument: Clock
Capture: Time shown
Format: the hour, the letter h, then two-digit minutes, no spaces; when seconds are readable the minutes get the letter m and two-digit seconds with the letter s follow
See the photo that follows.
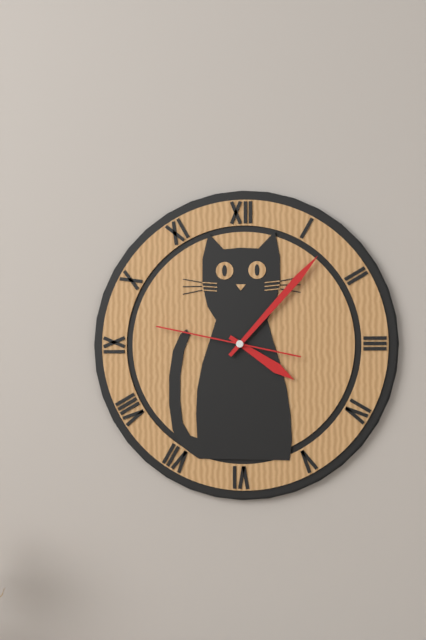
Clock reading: 4h07m47s
